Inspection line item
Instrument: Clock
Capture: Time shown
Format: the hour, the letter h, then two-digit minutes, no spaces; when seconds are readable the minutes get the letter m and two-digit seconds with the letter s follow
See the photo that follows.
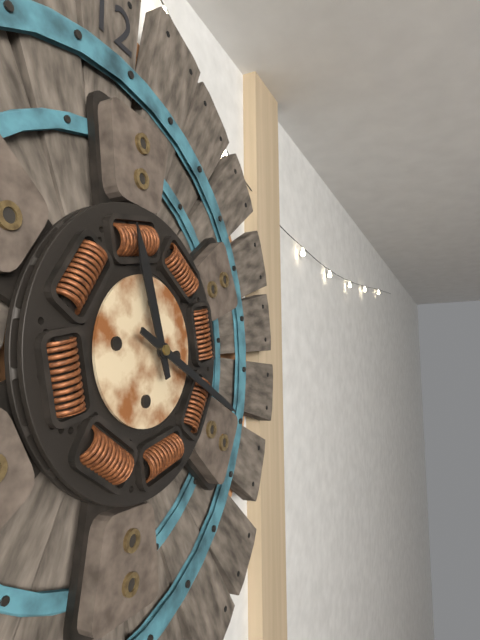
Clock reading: 11h19
